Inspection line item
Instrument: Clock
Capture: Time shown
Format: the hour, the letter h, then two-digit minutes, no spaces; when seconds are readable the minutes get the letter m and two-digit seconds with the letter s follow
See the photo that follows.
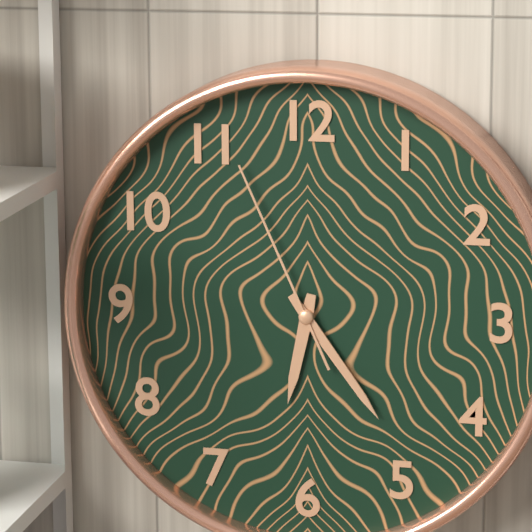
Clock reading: 6h24m56s
